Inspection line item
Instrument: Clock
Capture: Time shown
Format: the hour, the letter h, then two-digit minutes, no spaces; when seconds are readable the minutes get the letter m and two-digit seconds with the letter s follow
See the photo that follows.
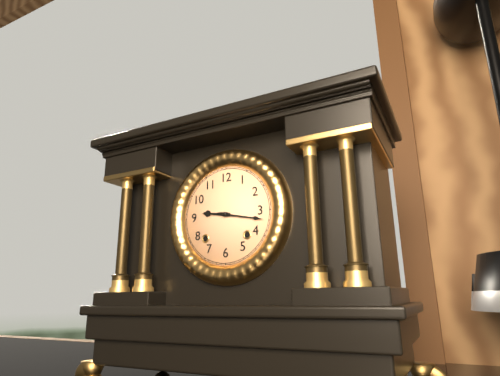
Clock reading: 9h17
